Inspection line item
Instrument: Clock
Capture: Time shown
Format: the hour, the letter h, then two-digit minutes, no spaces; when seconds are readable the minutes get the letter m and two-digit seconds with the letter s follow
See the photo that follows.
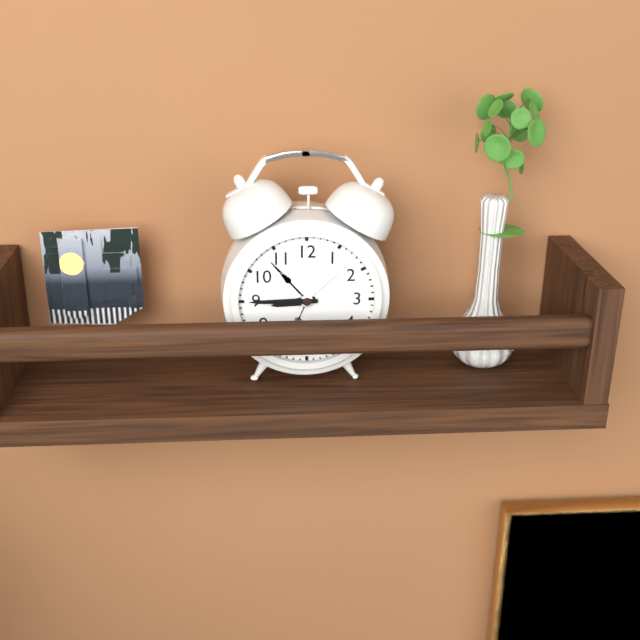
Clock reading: 8h45
